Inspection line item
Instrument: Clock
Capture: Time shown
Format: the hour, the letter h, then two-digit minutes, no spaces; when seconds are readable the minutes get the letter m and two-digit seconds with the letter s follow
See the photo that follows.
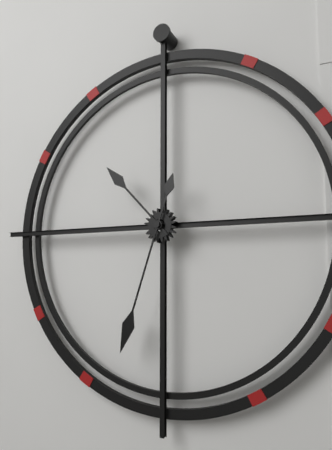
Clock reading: 10h33
